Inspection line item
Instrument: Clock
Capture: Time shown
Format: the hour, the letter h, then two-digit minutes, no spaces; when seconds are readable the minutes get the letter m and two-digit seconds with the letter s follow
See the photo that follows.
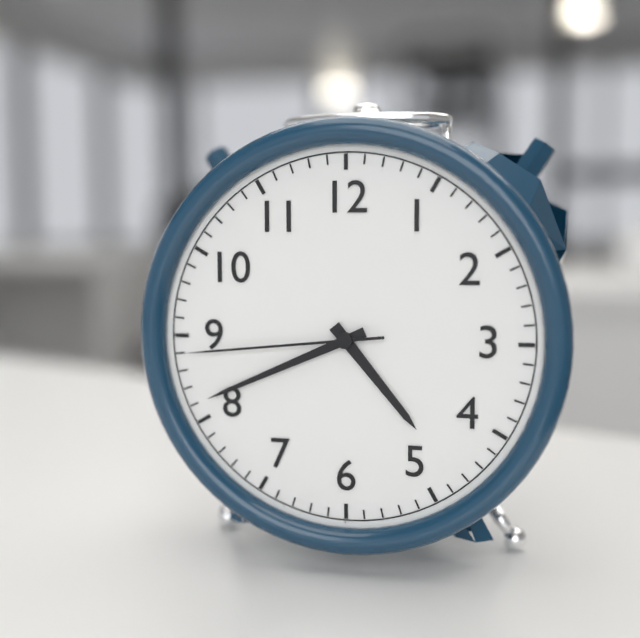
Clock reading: 4h41m44s
